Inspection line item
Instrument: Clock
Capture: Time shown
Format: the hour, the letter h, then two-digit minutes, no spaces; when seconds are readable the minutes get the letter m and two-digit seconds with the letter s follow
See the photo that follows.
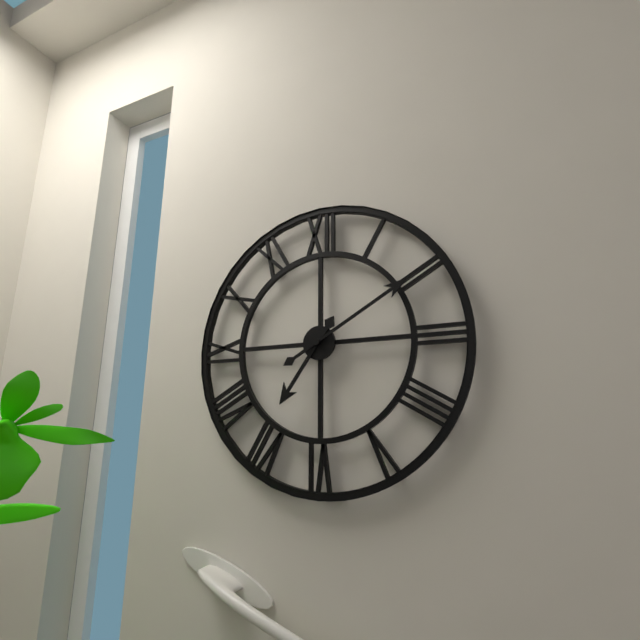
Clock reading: 7h10
